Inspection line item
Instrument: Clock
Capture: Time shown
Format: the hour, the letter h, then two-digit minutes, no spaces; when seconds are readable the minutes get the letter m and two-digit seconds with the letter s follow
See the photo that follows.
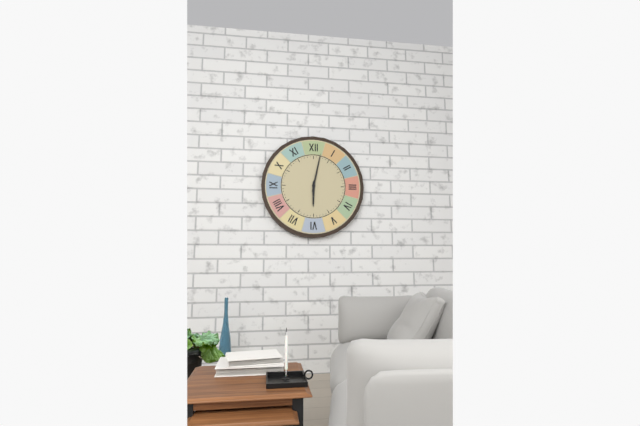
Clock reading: 6h02
